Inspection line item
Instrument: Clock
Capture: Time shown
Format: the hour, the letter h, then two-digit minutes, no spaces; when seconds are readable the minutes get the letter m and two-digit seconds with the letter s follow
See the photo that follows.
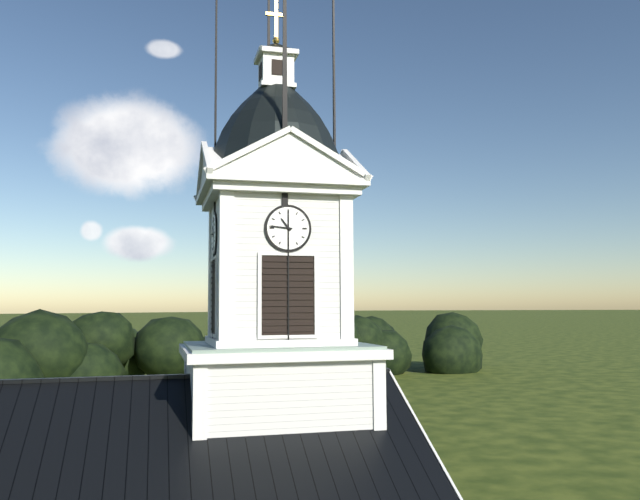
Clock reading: 10h46
